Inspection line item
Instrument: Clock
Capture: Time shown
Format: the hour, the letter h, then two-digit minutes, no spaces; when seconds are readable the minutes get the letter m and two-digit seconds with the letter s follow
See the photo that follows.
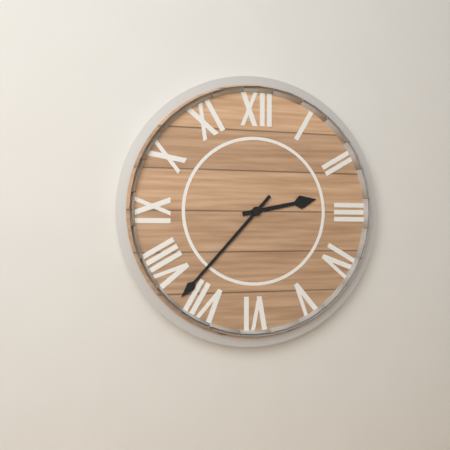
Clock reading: 2h37
